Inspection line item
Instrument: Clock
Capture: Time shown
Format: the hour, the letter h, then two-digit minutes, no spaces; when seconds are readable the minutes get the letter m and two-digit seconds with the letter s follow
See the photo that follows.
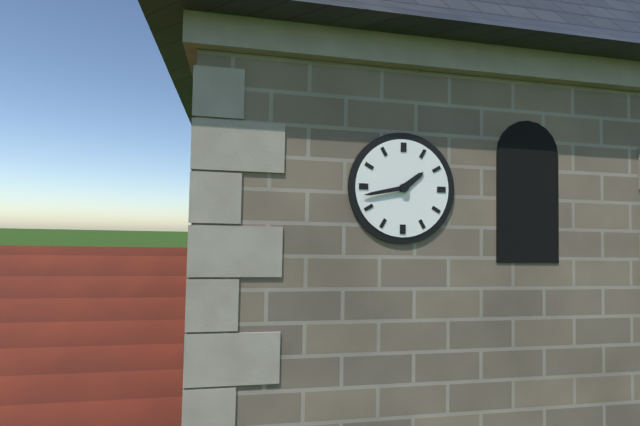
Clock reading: 1h43
